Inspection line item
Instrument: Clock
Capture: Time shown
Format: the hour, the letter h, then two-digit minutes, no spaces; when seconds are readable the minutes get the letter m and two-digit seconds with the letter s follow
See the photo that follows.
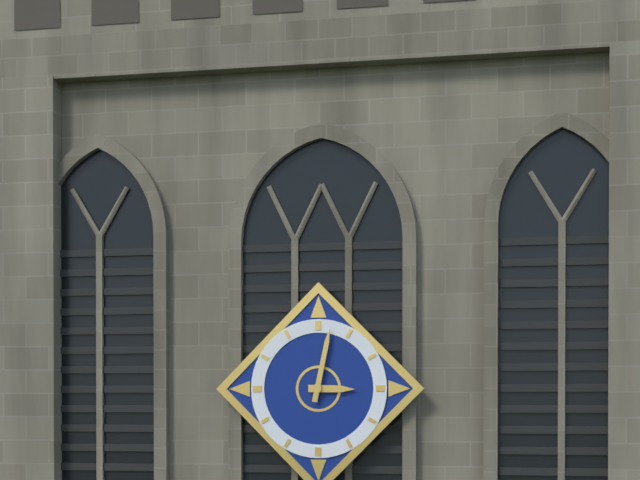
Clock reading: 3h02
